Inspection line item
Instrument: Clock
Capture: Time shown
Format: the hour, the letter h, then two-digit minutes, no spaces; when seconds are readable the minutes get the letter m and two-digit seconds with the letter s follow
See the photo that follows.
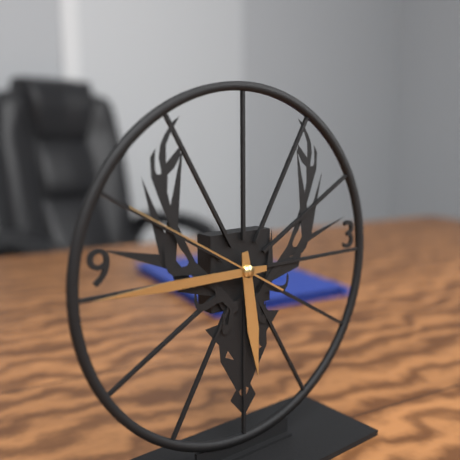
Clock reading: 5h45m50s
